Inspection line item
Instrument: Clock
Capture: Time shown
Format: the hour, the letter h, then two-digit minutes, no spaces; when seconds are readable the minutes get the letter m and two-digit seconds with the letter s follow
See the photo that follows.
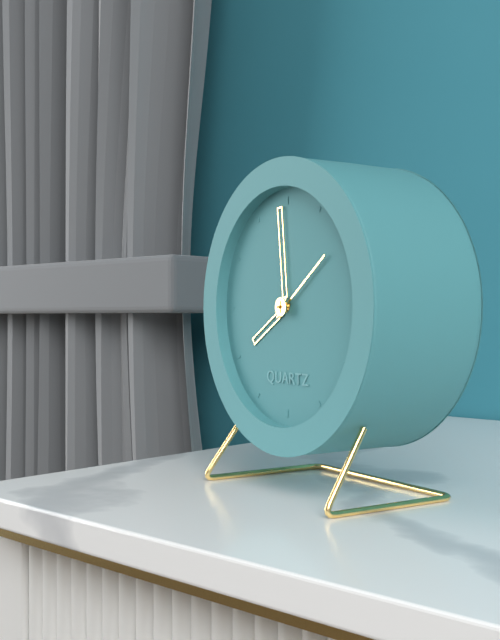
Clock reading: 7h59m09s
